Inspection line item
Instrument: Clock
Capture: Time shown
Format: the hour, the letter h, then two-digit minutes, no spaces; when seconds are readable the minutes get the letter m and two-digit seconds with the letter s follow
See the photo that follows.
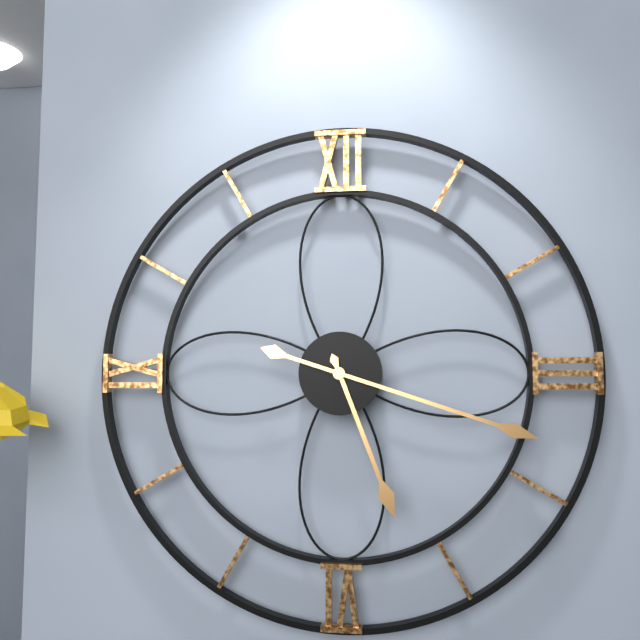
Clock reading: 5h18
